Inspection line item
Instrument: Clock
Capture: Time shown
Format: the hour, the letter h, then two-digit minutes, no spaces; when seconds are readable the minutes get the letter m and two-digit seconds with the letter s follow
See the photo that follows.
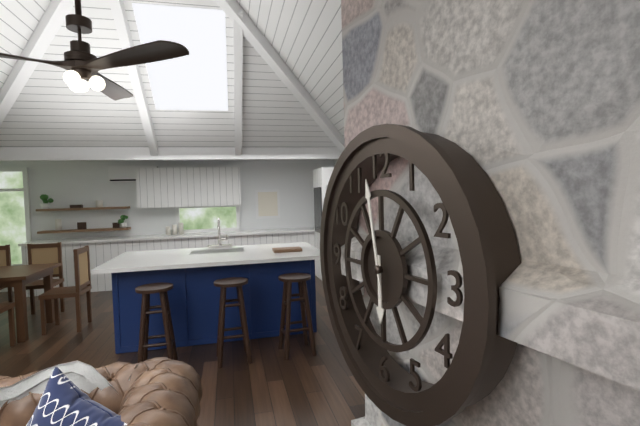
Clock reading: 5h58
